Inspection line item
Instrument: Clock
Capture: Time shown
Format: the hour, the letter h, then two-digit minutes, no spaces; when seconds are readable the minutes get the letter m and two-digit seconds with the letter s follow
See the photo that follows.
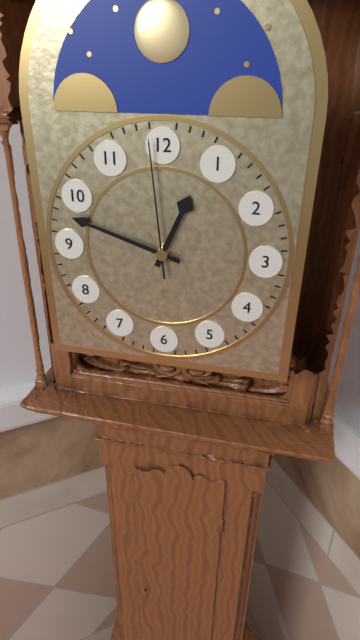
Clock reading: 12h48m59s
